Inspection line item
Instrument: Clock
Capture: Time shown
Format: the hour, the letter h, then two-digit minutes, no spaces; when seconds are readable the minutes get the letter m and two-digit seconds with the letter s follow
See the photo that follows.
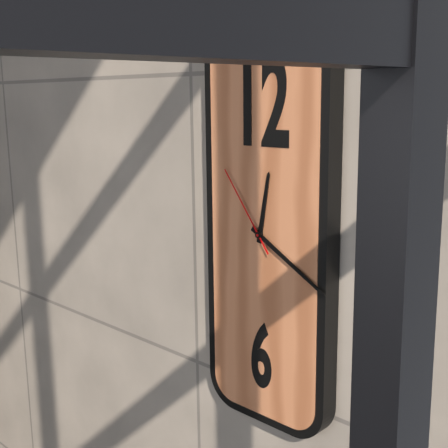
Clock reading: 12h20m54s
